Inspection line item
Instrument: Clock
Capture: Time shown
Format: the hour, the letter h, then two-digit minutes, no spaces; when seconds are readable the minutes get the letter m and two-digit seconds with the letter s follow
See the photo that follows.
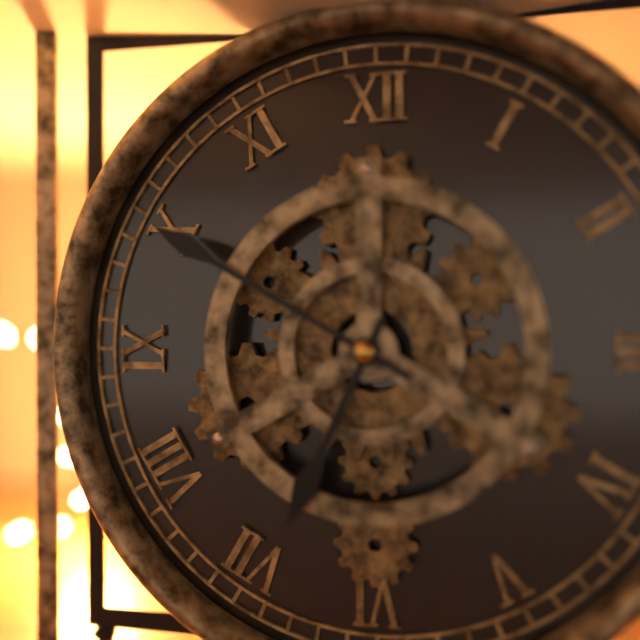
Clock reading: 6h50
